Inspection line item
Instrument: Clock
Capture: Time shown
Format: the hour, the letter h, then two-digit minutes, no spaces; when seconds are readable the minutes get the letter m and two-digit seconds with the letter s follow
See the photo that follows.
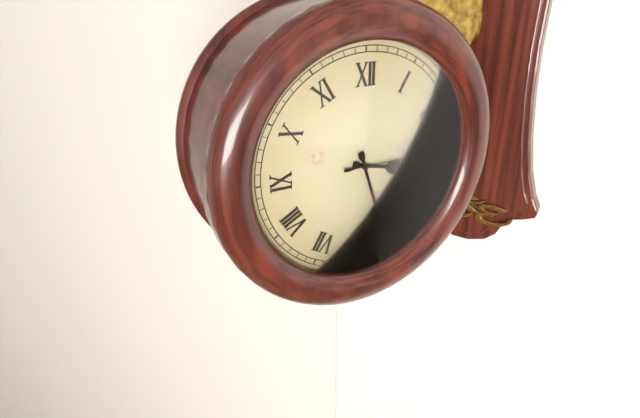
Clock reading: 3h27m15s
